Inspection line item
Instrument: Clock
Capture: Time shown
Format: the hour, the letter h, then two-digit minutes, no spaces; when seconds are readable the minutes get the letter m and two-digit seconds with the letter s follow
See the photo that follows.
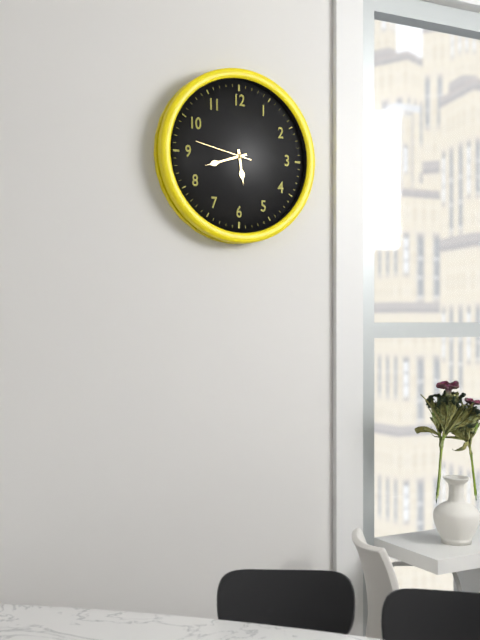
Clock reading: 5h42m47s
